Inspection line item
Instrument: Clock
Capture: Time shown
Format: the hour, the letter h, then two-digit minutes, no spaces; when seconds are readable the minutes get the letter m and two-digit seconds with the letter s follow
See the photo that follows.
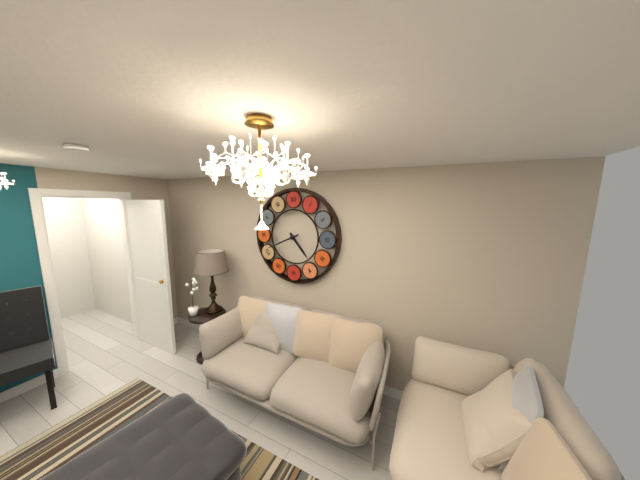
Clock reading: 4h41
